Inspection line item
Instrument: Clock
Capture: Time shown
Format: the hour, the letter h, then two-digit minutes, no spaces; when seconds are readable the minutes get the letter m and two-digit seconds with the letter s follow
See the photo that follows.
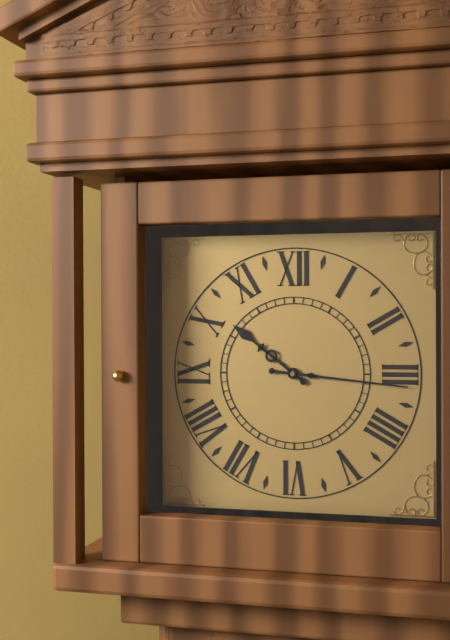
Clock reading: 10h16
